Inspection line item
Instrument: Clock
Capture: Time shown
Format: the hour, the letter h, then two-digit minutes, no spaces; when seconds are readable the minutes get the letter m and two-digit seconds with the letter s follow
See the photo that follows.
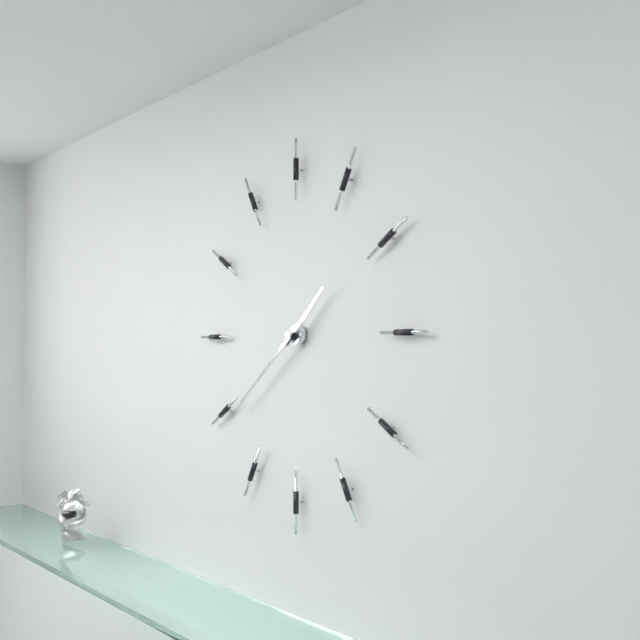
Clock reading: 1h39
